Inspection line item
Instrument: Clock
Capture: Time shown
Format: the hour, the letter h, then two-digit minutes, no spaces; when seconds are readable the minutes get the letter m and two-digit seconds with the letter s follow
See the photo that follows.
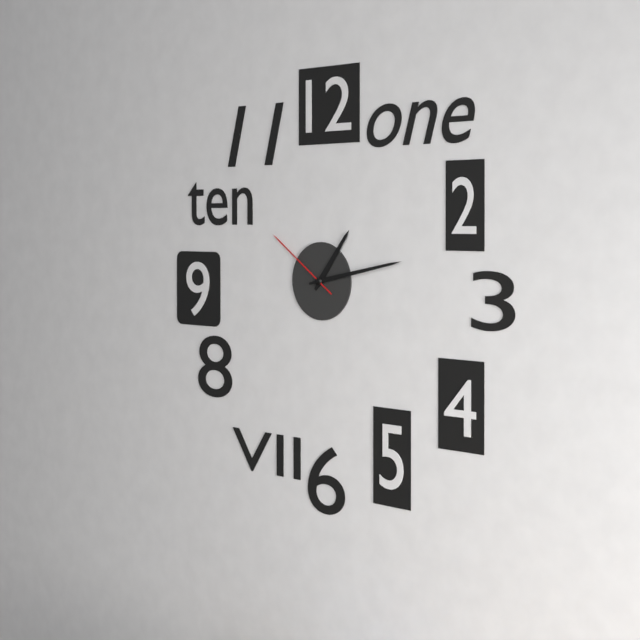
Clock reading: 1h13m51s
